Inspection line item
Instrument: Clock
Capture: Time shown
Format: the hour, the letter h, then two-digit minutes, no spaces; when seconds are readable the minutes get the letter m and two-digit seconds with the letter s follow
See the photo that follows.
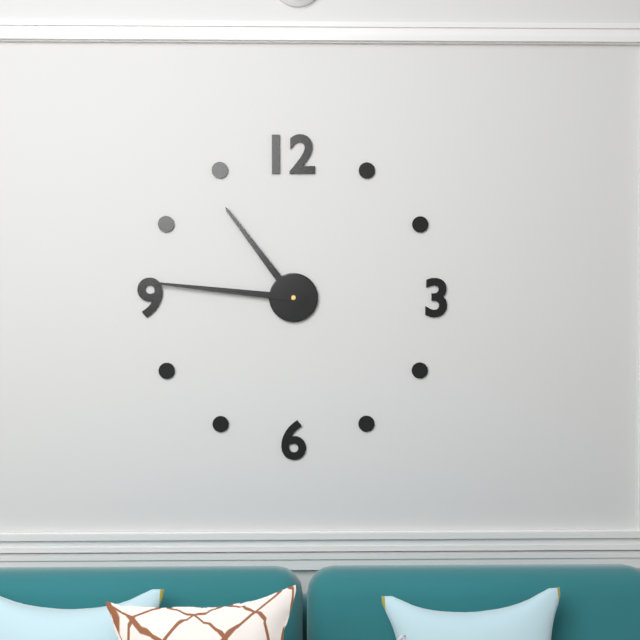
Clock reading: 10h46
